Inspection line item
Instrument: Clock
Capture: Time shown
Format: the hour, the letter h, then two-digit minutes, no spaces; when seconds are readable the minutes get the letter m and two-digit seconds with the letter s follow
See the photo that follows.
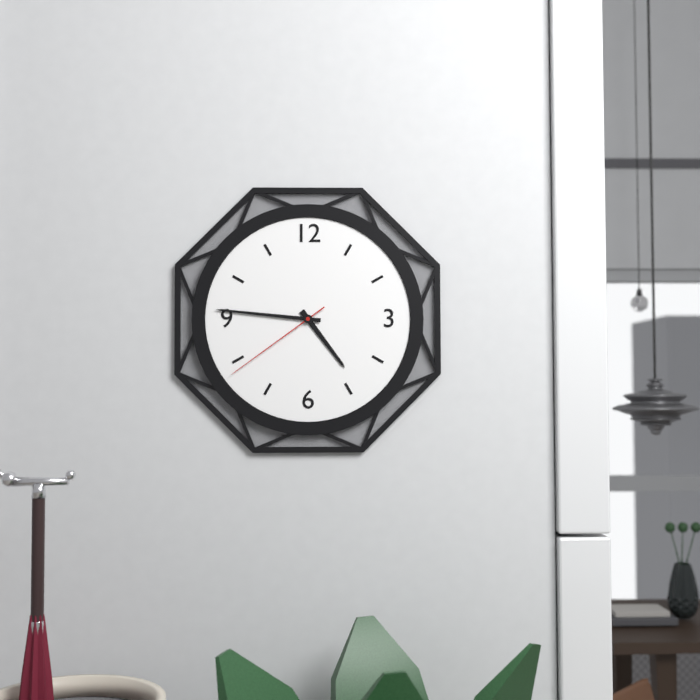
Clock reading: 4h46m39s
